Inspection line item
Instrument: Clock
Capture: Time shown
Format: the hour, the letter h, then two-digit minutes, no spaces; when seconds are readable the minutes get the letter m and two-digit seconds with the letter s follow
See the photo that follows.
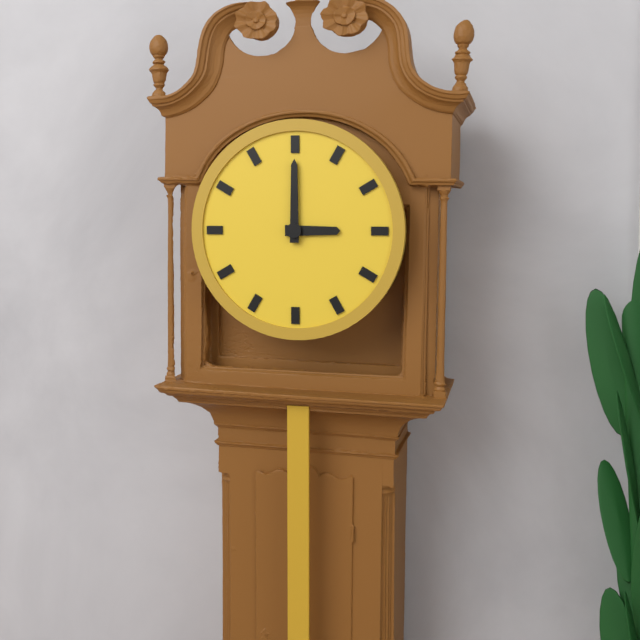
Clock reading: 3h00
